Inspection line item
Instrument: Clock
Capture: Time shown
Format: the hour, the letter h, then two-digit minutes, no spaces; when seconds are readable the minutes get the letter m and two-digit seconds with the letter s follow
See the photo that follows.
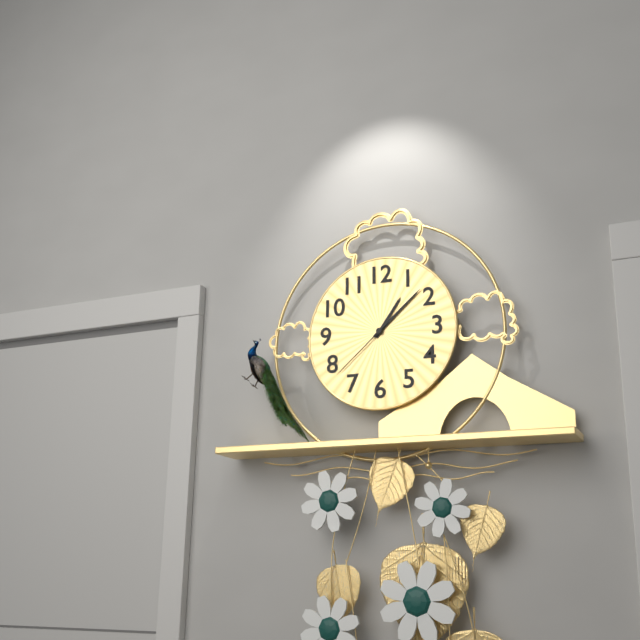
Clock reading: 1h08m38s
